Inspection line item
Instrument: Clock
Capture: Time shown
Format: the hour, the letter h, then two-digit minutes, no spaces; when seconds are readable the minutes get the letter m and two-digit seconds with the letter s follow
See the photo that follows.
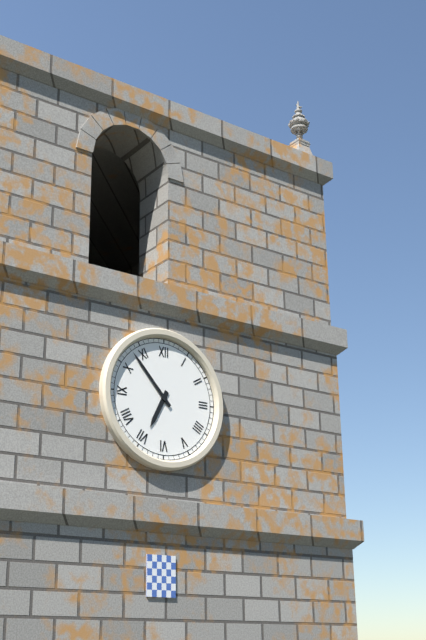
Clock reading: 6h53
